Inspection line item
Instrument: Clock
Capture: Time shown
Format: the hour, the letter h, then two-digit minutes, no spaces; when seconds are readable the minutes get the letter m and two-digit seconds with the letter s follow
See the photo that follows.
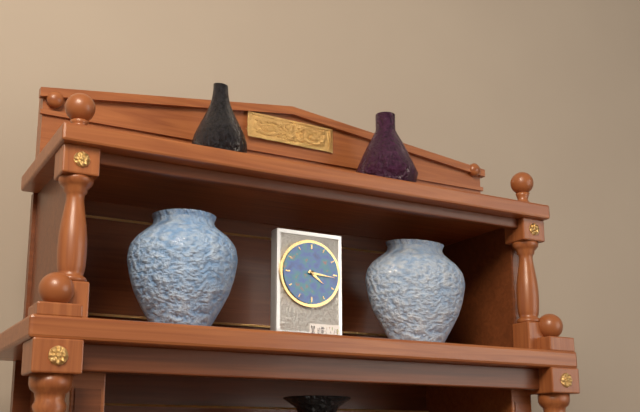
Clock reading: 4h16
